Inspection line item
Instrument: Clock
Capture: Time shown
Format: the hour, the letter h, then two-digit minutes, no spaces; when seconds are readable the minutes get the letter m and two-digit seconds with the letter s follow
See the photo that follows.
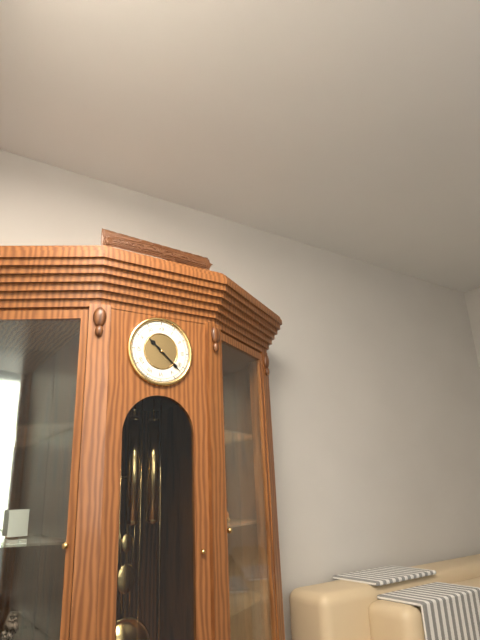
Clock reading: 10h22
